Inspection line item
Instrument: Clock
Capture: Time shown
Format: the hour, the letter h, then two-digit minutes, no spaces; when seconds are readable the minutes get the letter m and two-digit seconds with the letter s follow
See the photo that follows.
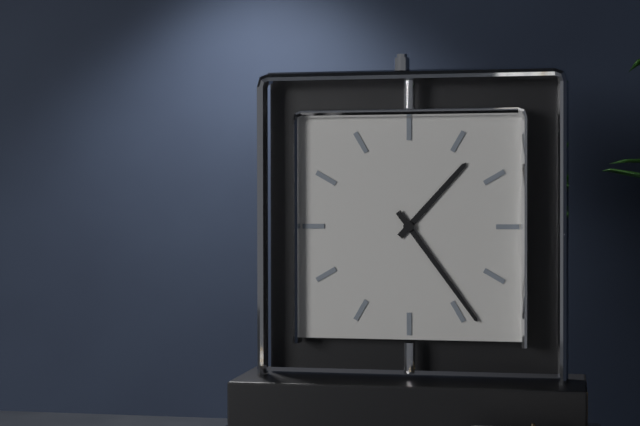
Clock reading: 1h24
